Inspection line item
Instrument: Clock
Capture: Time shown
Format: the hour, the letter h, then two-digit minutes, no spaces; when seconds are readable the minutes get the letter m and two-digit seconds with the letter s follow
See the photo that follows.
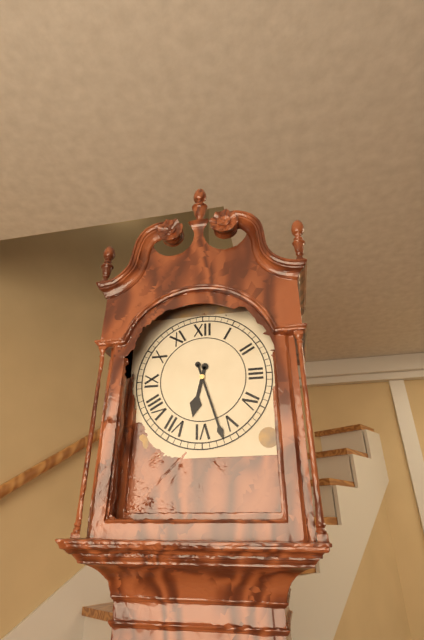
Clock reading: 6h27
